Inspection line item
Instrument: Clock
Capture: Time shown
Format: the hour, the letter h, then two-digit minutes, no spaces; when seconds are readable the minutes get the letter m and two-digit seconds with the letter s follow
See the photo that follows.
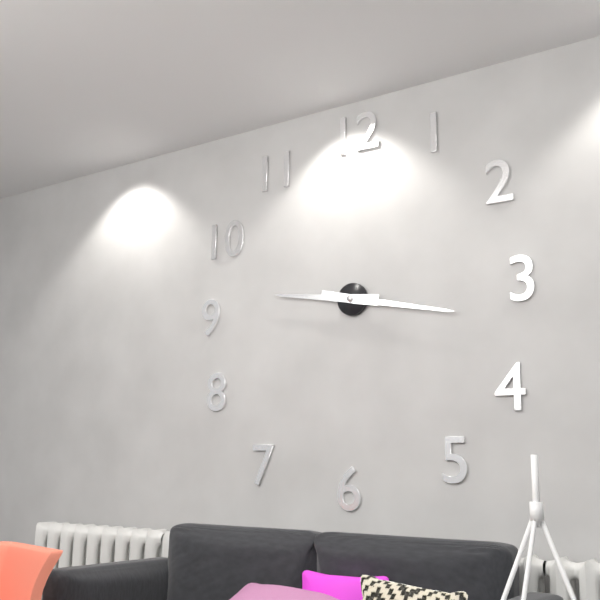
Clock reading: 9h17
